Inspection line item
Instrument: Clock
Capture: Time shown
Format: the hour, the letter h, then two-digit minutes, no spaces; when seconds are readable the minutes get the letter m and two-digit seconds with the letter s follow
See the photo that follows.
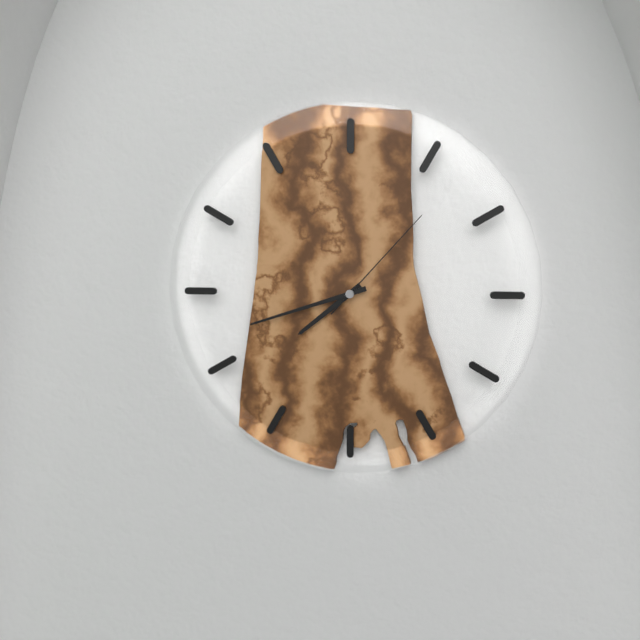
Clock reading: 7h42m07s
